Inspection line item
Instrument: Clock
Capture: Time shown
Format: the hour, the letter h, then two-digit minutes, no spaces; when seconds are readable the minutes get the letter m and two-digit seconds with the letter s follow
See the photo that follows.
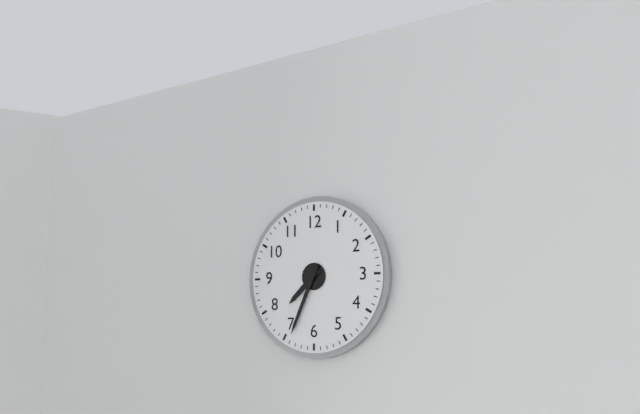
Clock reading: 7h34
